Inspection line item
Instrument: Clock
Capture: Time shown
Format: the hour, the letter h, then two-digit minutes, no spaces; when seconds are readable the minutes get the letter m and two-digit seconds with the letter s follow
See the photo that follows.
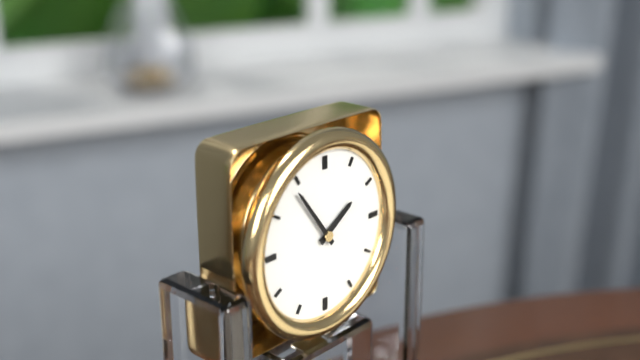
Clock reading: 1h54
